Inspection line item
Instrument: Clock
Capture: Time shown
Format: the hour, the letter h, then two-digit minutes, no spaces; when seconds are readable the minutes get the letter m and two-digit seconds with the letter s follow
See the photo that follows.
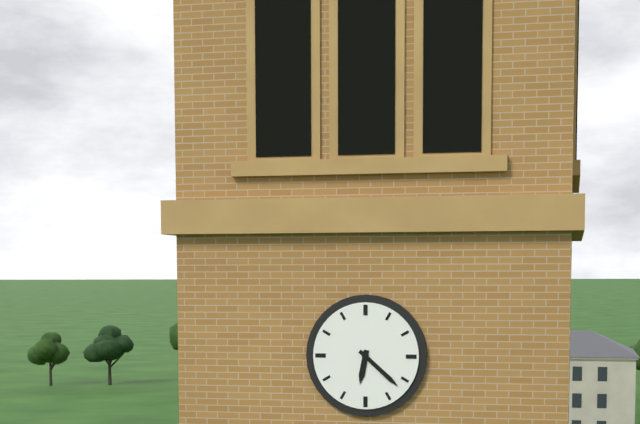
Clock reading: 6h22
